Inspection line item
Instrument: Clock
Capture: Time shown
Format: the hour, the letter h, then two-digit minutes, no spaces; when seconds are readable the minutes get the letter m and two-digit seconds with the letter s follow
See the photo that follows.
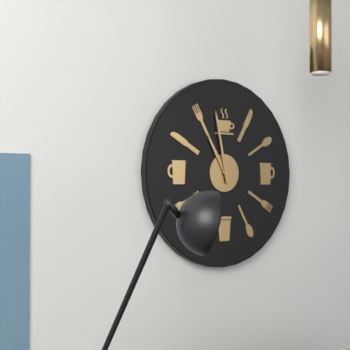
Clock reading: 10h58
